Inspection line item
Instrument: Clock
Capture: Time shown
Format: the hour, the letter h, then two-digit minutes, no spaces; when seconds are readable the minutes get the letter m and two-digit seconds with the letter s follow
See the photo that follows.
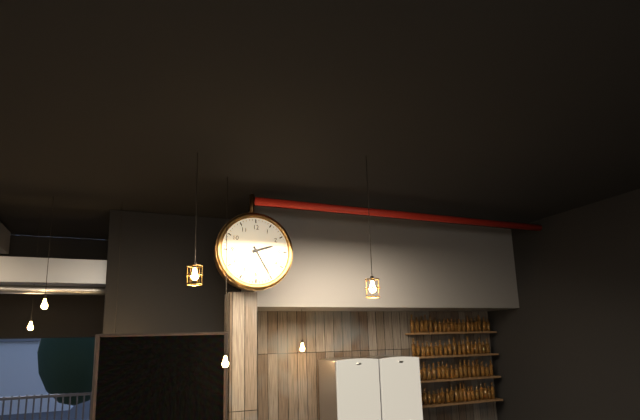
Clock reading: 2h25
